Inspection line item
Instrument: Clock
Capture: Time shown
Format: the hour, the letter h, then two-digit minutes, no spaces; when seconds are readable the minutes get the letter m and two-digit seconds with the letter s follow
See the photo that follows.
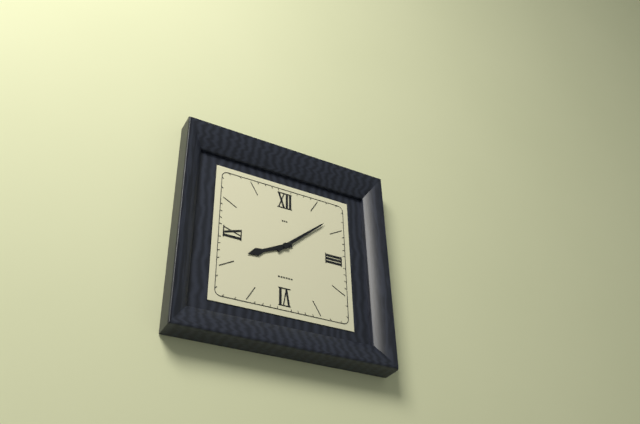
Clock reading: 8h08
